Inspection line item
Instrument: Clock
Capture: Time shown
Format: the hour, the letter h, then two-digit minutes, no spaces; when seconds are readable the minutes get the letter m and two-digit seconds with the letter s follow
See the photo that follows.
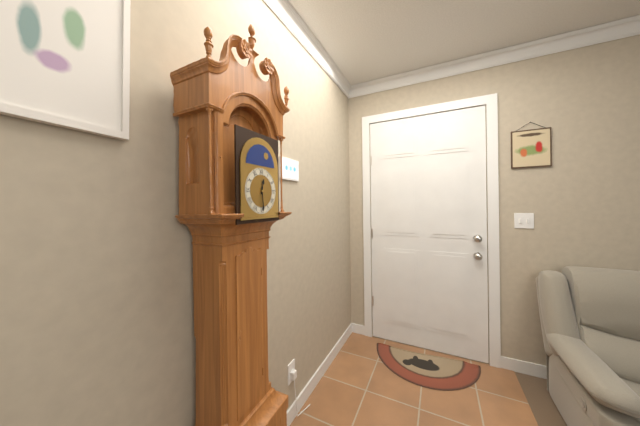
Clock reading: 12h29
